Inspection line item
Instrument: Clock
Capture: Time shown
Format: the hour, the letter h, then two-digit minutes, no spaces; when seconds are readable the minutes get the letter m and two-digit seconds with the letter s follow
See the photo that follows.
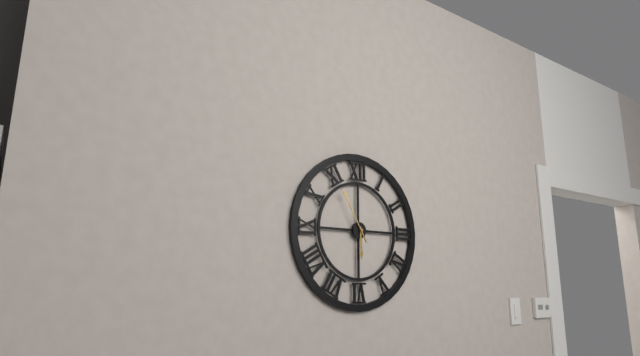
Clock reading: 5h55
